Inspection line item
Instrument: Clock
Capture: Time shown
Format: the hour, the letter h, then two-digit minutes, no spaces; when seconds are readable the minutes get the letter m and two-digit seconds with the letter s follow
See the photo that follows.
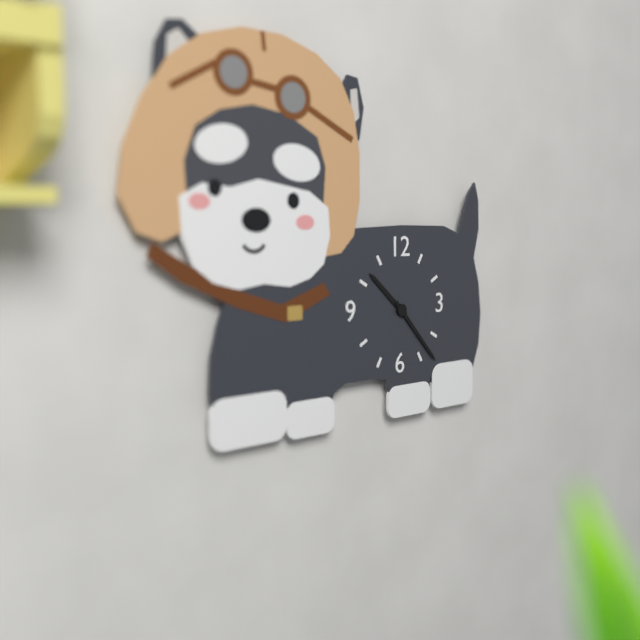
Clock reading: 10h23
